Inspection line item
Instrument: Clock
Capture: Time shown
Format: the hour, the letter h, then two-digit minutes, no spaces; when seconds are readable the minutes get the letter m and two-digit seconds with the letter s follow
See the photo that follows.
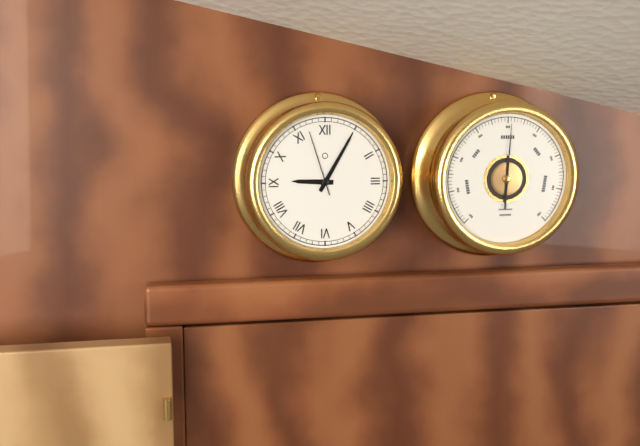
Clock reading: 9h05m57s
